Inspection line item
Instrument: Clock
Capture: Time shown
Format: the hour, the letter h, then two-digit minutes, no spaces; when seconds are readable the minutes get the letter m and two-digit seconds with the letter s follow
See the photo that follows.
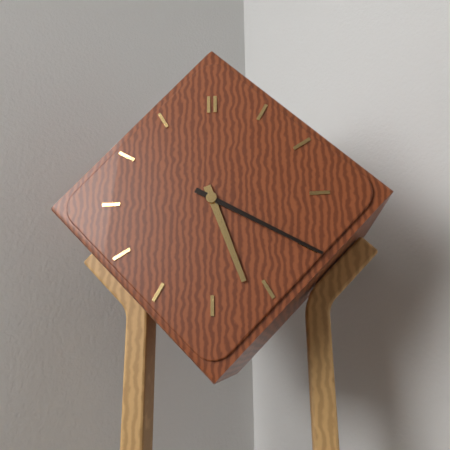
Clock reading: 5h20
